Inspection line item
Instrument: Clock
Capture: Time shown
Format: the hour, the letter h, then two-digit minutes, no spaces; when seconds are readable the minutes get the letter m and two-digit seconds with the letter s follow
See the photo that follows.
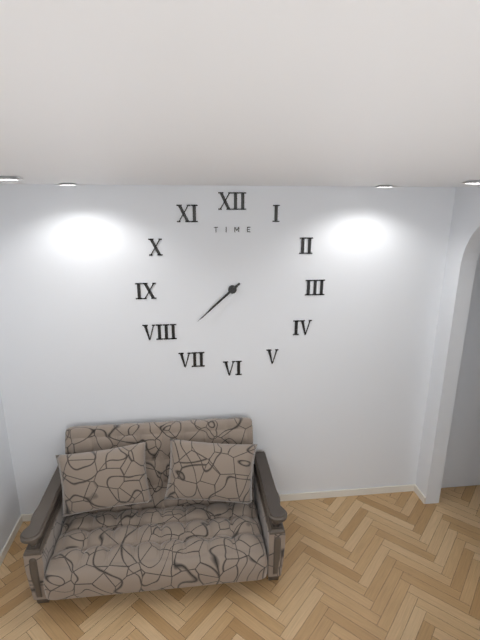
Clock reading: 7h38
